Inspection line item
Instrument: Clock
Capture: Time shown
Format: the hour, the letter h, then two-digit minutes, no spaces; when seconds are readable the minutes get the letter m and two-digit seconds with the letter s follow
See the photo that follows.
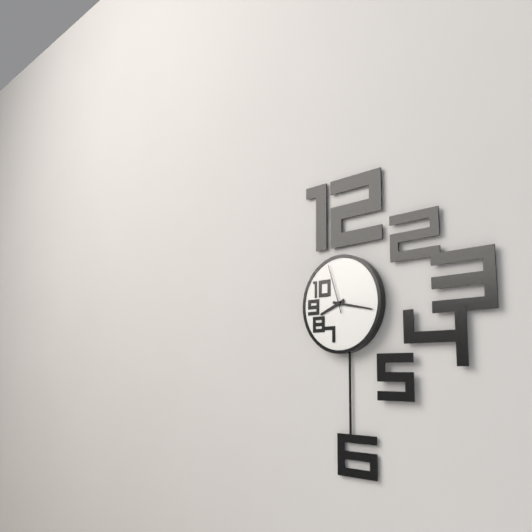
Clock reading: 8h17
